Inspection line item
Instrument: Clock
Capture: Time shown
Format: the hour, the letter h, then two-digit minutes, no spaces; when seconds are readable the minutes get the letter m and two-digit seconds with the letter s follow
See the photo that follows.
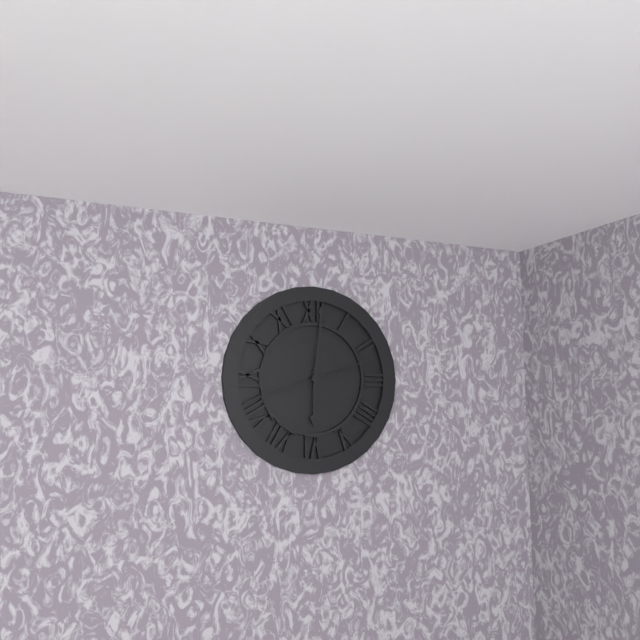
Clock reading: 6h01m42s
